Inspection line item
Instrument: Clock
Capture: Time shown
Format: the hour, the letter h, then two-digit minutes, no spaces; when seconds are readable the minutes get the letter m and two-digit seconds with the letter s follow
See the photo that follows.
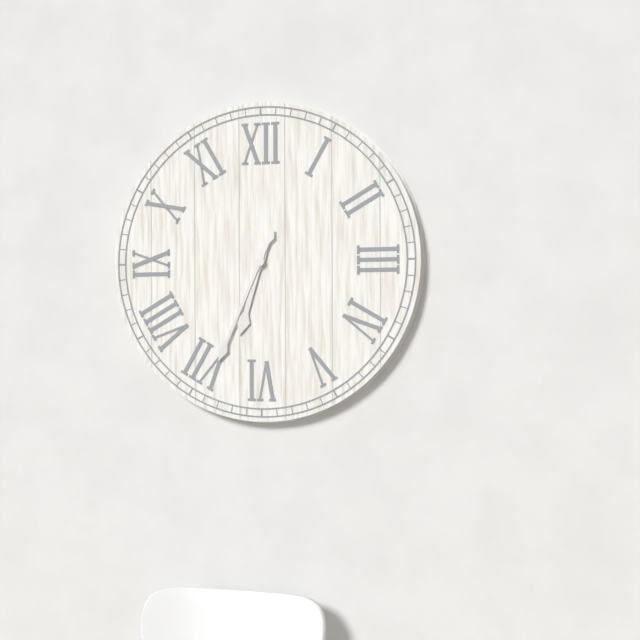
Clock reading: 6h34
